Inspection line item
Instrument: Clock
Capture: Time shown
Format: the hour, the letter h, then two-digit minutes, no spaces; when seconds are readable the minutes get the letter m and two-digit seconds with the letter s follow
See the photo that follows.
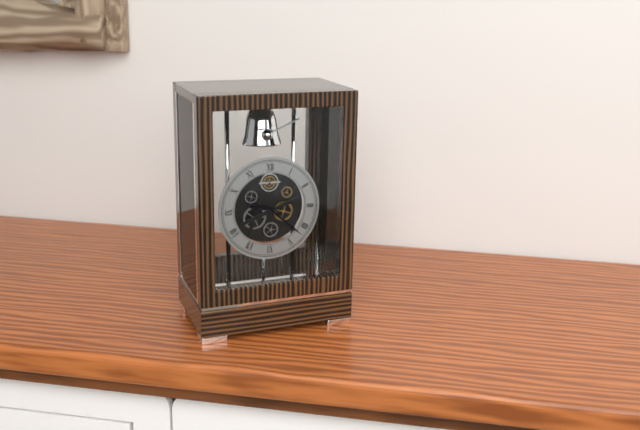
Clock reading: 9h22
